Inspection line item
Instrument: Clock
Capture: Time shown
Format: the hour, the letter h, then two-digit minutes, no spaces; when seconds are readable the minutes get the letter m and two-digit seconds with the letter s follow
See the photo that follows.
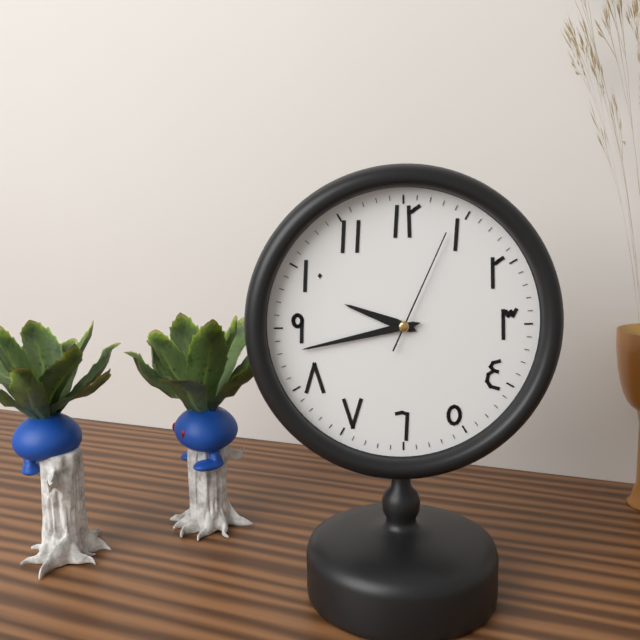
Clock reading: 9h43m04s
